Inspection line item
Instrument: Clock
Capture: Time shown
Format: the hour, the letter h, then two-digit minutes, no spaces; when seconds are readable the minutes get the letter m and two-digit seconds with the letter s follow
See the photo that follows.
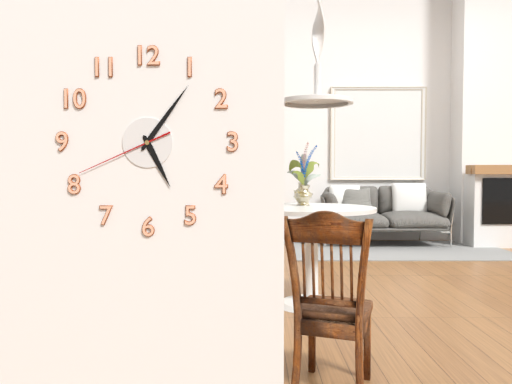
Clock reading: 5h06m41s
